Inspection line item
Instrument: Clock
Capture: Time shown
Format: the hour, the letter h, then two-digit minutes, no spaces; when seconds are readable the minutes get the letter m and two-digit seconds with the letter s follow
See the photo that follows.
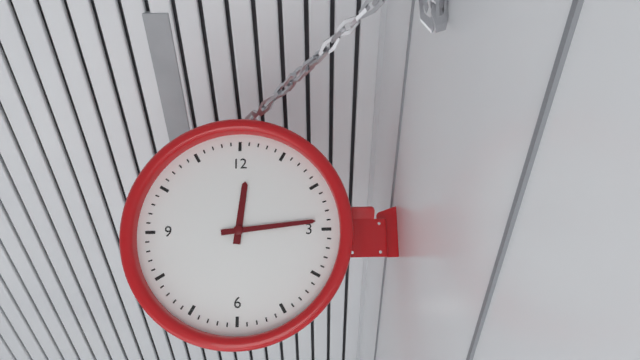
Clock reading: 12h14
